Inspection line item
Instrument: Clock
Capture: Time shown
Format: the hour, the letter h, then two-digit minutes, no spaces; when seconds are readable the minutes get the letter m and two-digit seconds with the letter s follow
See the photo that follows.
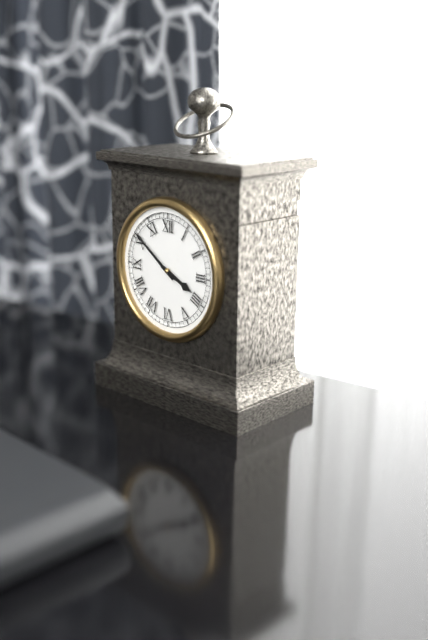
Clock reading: 3h51
